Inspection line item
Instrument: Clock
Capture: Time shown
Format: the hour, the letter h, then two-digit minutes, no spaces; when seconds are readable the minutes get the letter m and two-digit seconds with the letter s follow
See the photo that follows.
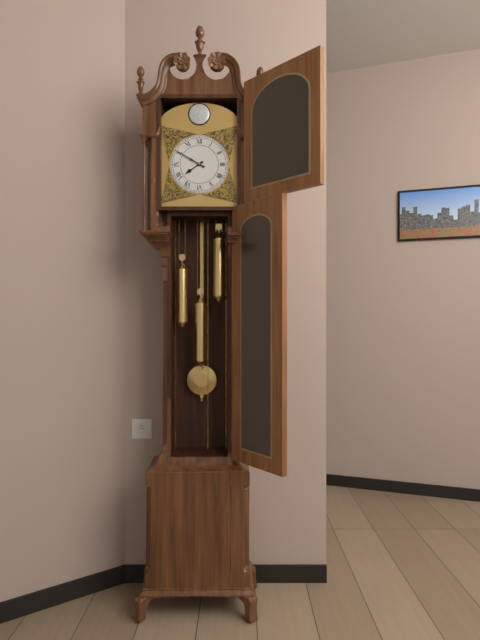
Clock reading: 7h50
